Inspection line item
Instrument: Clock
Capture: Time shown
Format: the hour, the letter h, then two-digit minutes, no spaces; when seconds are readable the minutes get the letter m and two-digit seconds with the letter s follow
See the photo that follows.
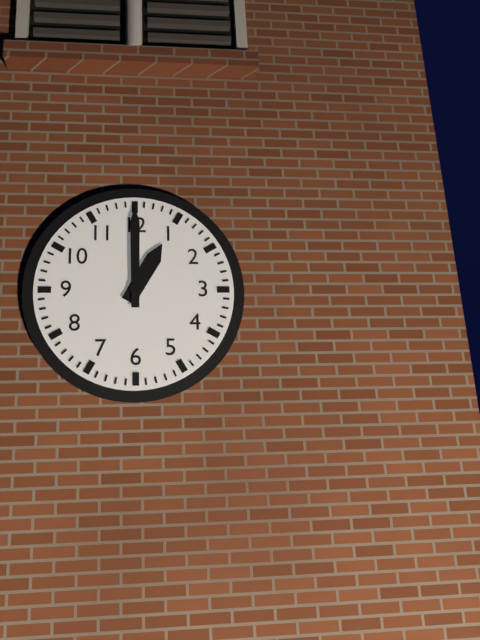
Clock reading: 1h00
